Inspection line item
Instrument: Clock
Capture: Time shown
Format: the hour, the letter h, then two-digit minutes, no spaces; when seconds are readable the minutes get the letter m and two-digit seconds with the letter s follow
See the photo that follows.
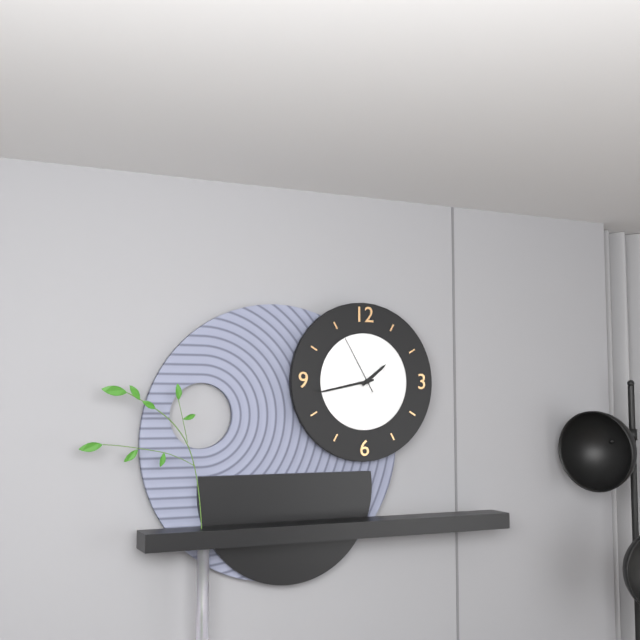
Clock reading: 1h43m55s
